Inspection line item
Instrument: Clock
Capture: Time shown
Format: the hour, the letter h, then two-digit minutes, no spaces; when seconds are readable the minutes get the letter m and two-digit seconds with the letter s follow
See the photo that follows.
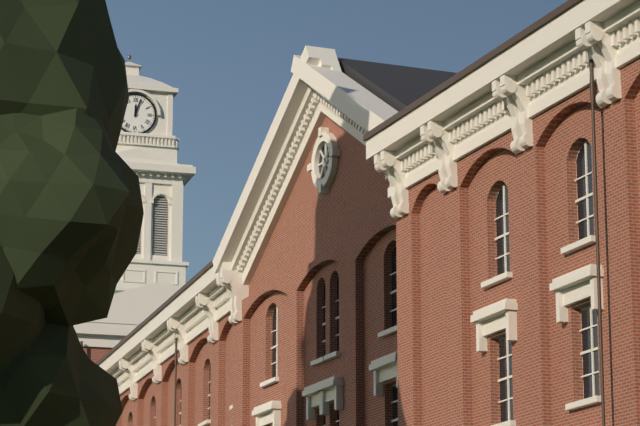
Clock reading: 12h03
